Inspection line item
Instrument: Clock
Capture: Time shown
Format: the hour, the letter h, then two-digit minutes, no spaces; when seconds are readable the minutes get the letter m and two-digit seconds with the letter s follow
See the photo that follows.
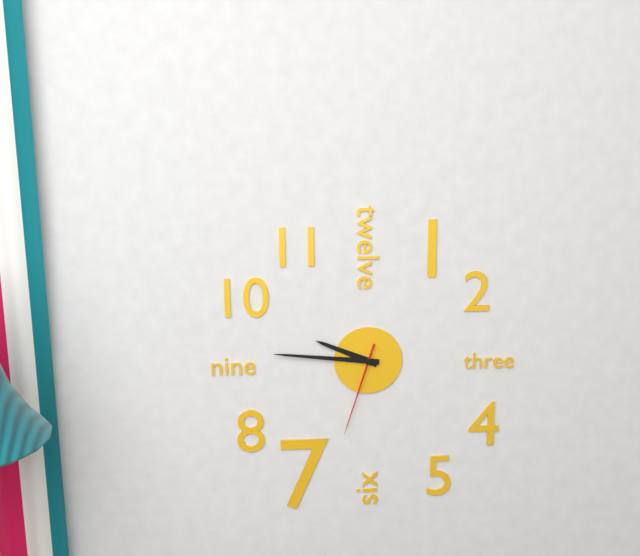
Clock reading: 9h46m33s
